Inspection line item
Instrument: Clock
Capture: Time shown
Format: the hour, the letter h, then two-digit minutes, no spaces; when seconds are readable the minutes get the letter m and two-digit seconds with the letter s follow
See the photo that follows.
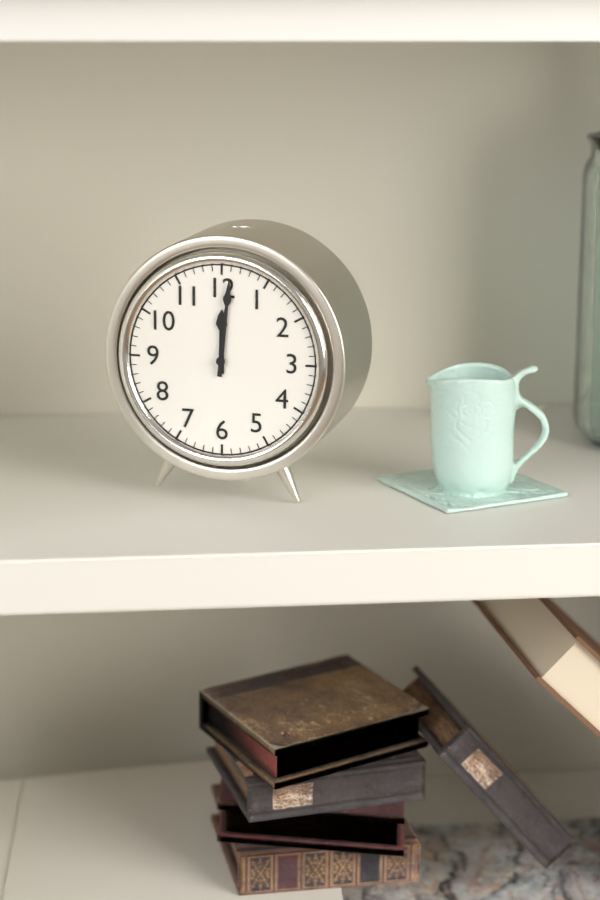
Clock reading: 12h01
